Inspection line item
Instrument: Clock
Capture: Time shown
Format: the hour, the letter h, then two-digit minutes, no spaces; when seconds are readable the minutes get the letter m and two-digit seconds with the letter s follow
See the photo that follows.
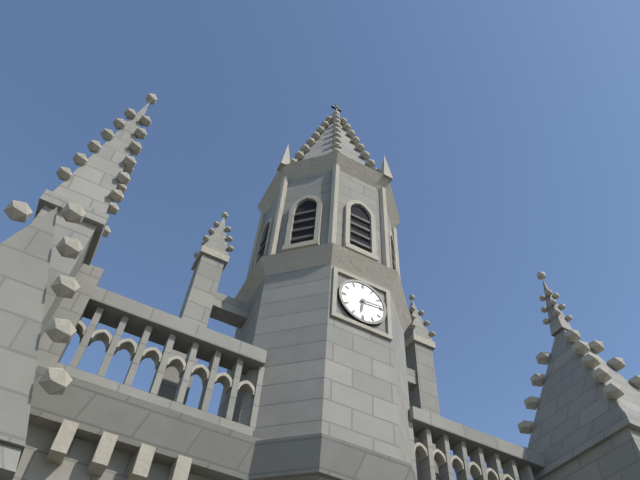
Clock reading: 6h14
